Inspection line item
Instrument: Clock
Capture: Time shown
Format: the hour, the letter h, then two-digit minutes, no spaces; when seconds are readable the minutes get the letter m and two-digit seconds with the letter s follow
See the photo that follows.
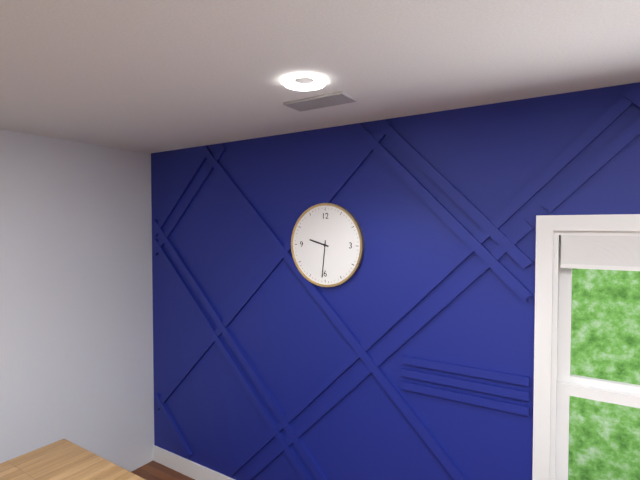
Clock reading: 9h31
